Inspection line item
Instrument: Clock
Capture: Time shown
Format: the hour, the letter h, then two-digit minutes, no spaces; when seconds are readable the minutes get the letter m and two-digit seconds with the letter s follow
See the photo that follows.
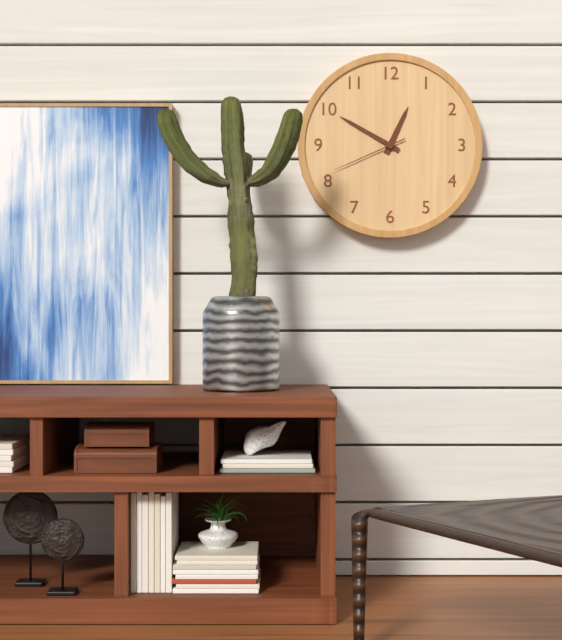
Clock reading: 12h50m41s
